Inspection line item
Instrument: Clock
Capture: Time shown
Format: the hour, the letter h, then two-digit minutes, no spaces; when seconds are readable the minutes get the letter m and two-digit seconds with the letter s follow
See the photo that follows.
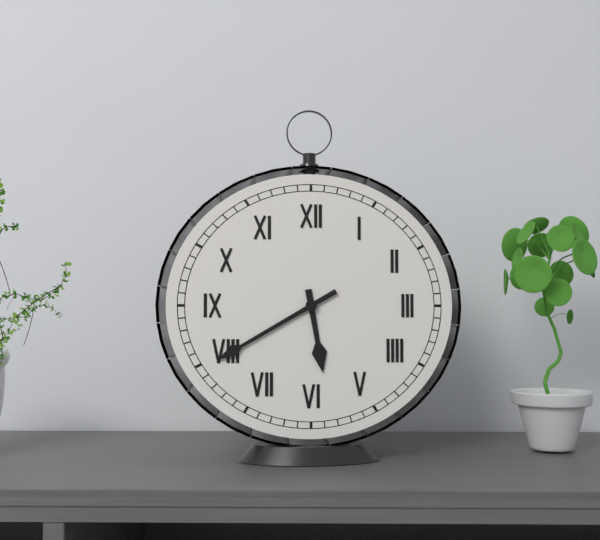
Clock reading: 5h40
